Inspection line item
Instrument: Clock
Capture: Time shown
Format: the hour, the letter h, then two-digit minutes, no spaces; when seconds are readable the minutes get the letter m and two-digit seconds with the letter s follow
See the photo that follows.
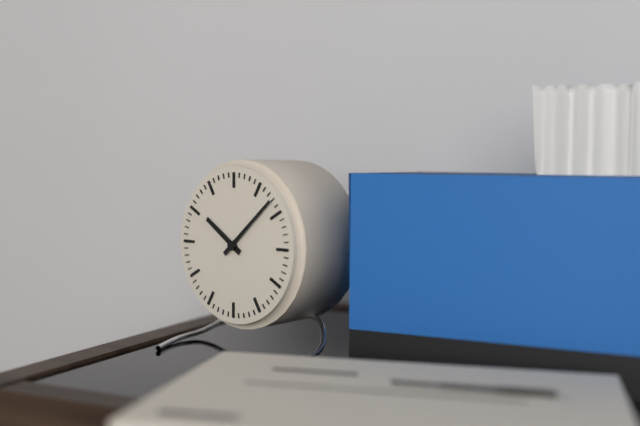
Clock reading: 10h08
